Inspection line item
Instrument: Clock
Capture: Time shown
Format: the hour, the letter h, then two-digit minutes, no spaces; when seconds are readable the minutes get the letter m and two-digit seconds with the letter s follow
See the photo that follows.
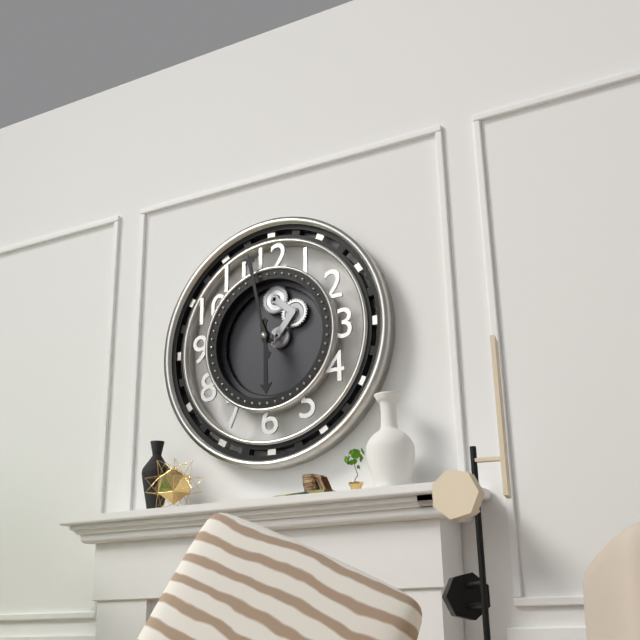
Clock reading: 5h58
